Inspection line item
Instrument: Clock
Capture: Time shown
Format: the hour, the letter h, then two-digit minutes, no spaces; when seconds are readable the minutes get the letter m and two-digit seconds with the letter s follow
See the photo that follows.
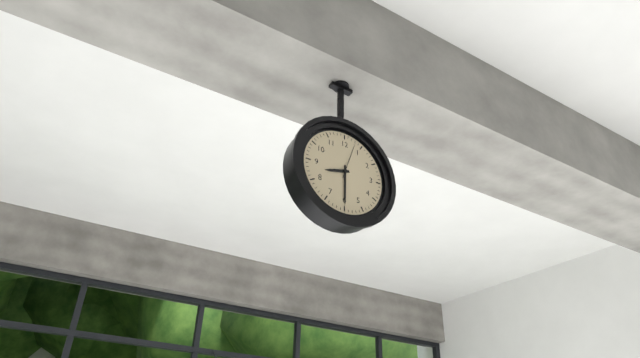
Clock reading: 8h30
